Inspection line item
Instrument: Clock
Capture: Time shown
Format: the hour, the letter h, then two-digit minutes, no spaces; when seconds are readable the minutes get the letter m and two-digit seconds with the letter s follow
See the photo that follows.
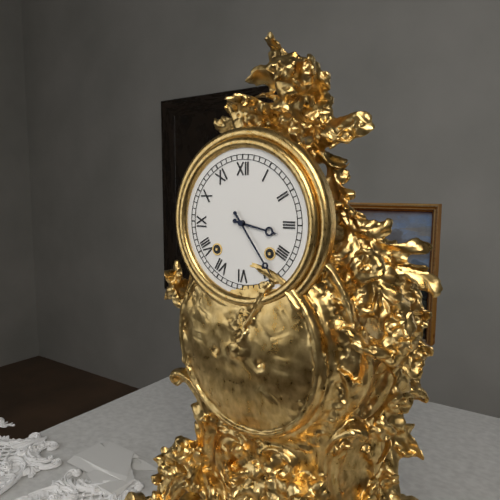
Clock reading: 3h24
